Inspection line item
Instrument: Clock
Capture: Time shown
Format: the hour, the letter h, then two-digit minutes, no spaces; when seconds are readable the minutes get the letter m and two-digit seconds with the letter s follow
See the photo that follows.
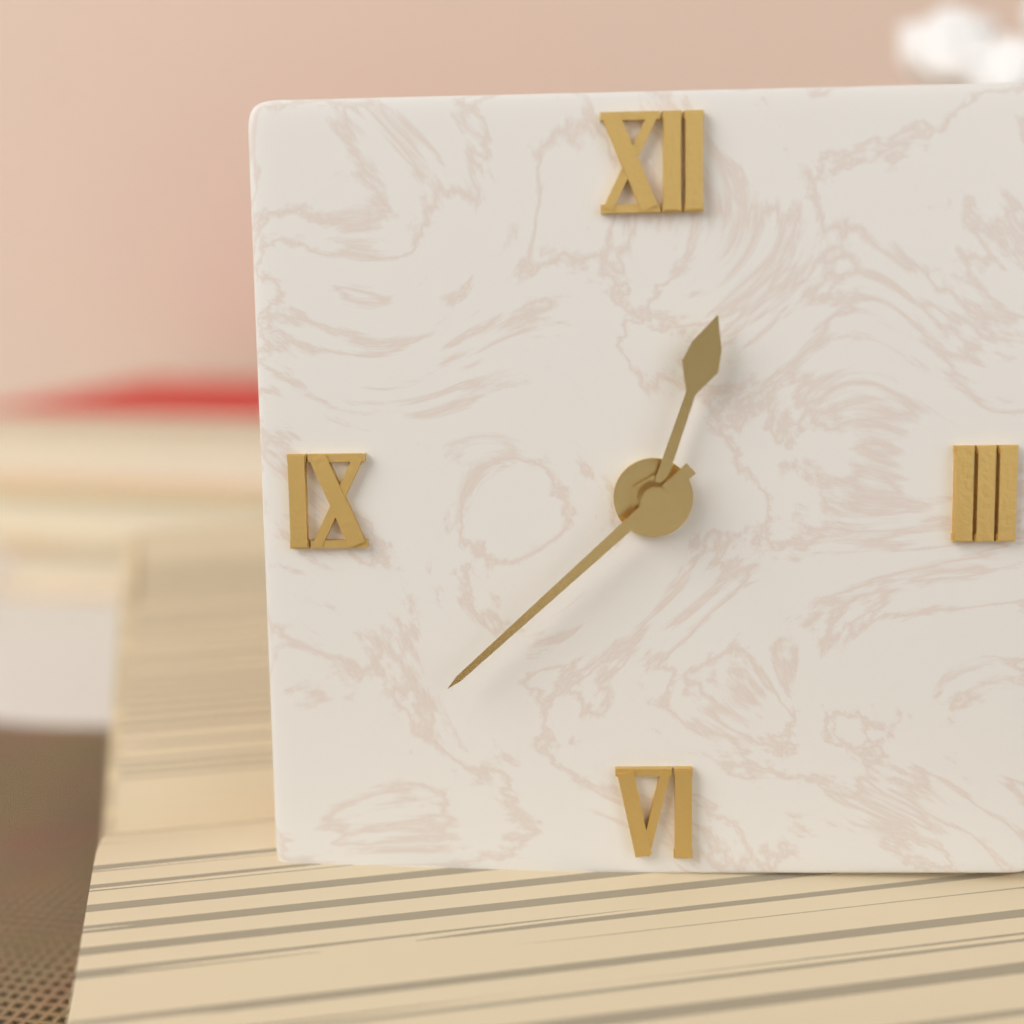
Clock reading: 12h38
